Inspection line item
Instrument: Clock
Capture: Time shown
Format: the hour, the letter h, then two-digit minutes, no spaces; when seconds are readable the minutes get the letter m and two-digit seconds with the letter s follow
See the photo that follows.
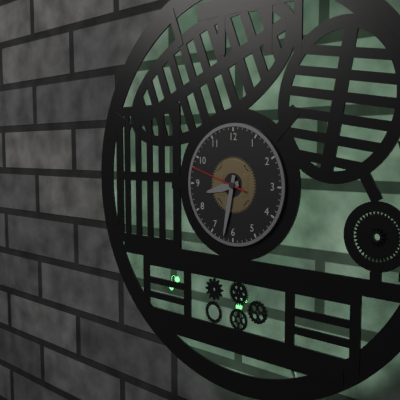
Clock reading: 8h32m48s
